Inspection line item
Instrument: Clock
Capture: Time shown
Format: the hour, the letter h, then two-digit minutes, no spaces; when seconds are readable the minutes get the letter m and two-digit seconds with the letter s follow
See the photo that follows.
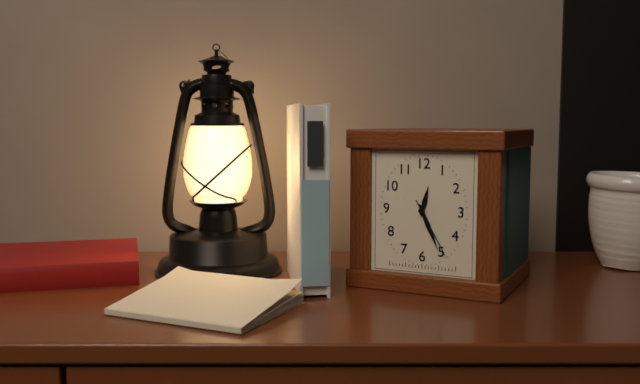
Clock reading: 12h26m25s
